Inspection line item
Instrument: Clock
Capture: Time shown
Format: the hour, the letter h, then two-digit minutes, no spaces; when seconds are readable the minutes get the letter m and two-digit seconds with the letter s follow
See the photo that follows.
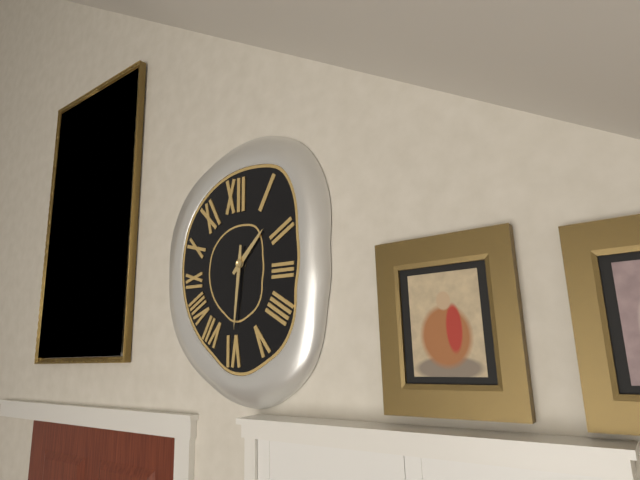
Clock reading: 1h31
